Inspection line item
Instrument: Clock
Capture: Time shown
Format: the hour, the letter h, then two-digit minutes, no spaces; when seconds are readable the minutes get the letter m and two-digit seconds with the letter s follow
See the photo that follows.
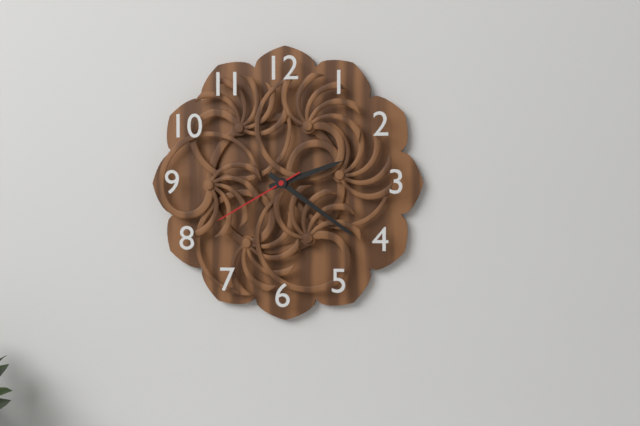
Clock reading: 2h21m40s
